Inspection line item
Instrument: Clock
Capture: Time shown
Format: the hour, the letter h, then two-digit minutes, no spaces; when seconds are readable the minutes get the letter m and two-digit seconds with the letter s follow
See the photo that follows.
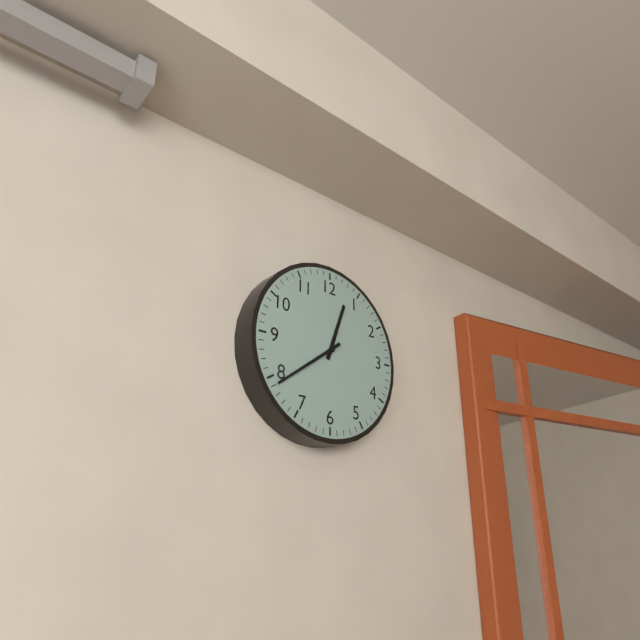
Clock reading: 12h39
